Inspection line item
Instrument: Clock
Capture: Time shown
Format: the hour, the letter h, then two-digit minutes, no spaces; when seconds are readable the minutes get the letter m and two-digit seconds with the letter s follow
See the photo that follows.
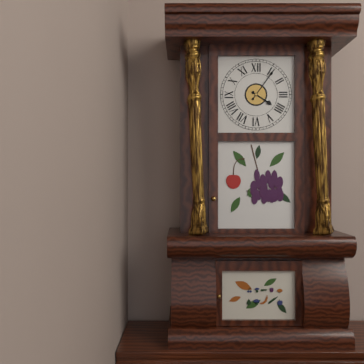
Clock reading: 4h06
